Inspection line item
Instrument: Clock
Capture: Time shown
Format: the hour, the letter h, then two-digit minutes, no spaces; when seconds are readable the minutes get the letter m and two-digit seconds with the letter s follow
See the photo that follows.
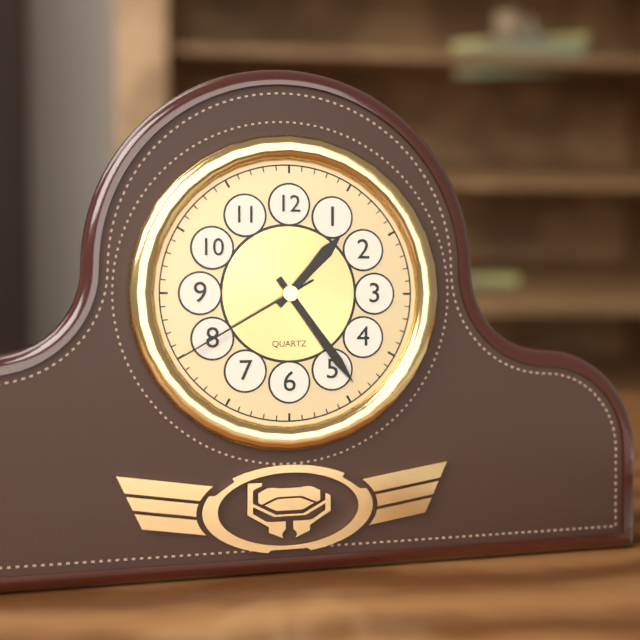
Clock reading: 1h24m40s
